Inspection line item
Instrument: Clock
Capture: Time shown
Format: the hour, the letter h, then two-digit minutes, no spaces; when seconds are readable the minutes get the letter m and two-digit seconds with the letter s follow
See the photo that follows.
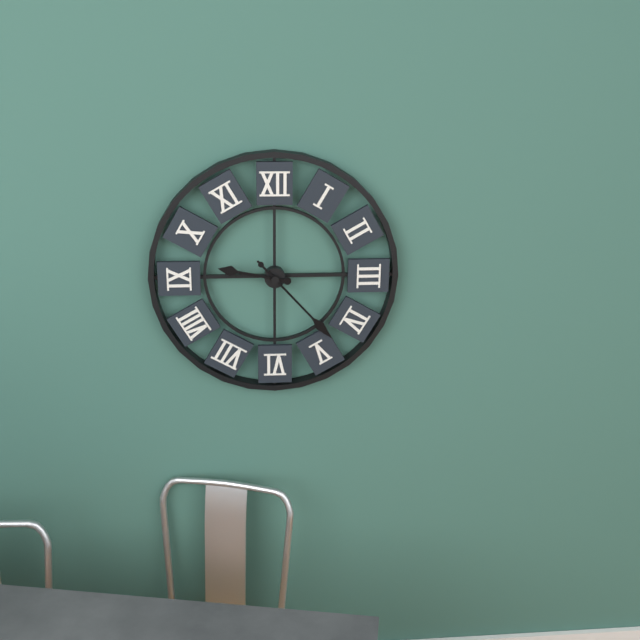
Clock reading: 9h23
